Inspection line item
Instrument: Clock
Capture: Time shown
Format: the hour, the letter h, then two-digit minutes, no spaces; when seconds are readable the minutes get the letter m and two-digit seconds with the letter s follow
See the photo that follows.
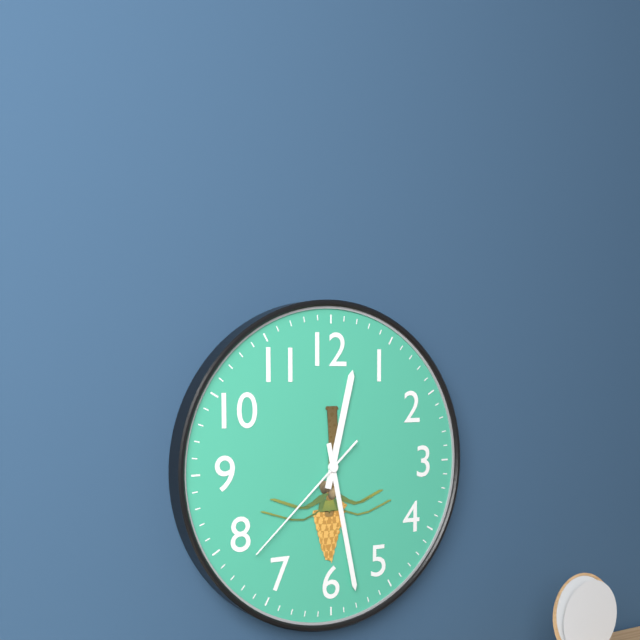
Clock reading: 12h28m38s
